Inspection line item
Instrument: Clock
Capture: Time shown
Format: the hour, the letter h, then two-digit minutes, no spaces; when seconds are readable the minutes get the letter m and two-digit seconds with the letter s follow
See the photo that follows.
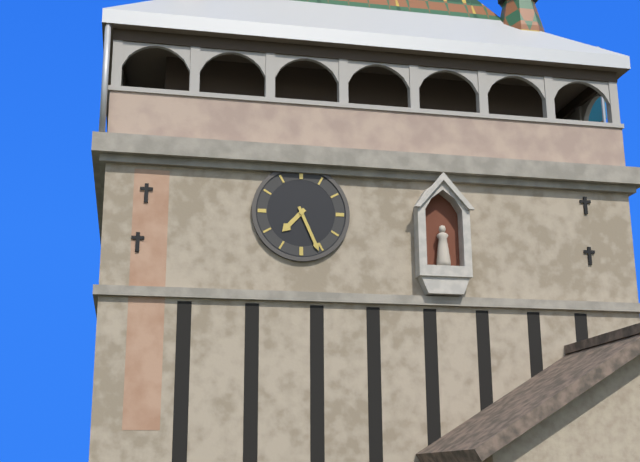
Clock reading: 7h26
